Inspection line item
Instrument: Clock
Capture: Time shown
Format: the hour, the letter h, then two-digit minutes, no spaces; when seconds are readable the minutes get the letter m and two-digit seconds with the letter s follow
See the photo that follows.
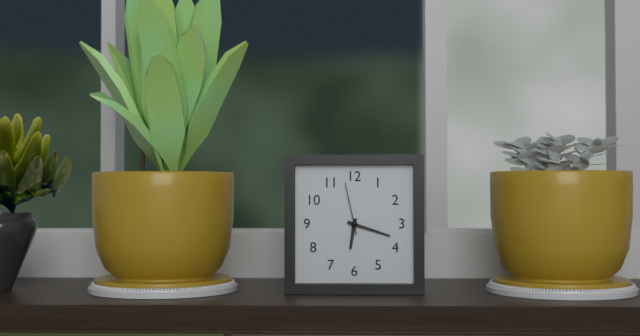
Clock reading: 6h18m58s
